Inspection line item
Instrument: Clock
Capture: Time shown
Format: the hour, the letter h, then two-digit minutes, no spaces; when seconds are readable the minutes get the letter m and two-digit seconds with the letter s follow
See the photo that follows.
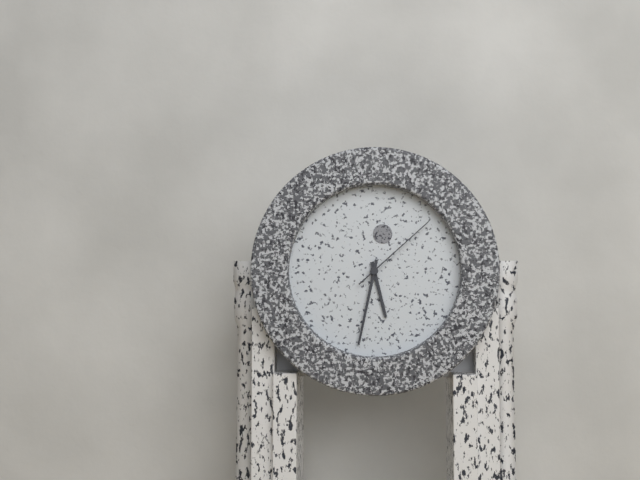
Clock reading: 5h32m08s
